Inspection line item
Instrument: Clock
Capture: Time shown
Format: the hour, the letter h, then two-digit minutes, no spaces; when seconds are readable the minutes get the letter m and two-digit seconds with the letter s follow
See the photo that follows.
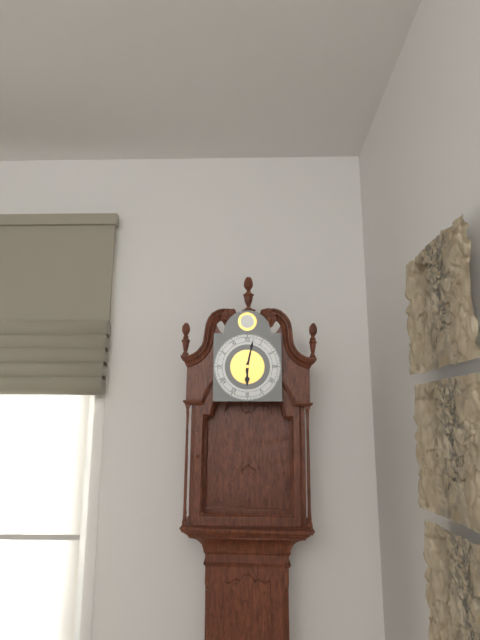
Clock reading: 6h02
